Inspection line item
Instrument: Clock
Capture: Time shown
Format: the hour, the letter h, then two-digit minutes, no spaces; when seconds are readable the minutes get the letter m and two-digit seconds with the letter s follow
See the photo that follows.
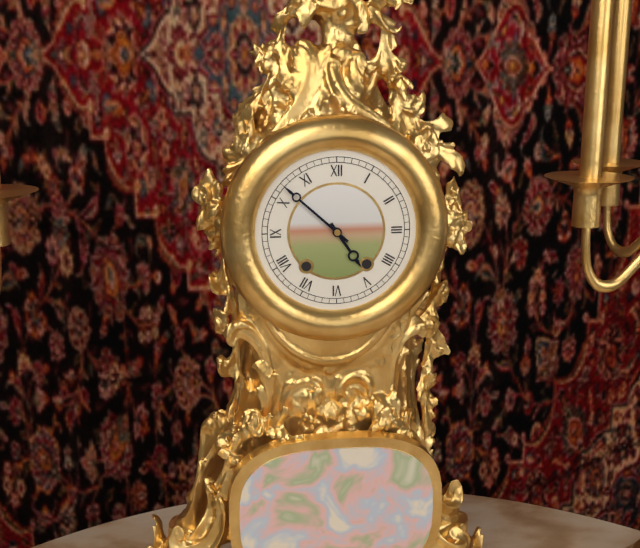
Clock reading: 4h52
